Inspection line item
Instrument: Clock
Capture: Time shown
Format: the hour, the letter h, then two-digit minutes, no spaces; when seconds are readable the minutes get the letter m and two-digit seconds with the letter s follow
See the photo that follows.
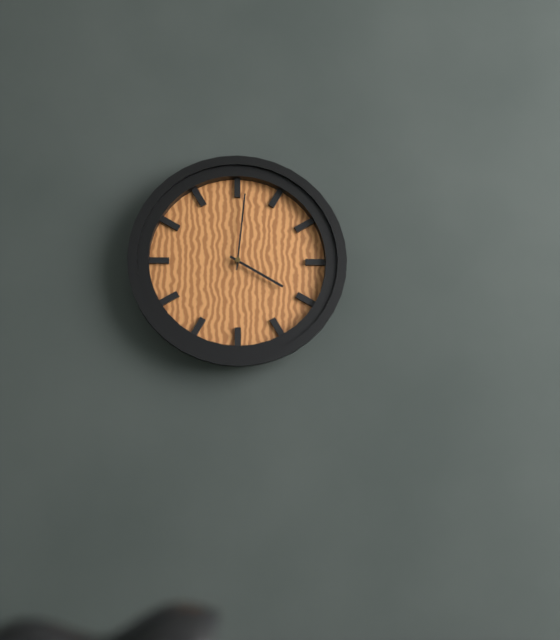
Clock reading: 4h01
